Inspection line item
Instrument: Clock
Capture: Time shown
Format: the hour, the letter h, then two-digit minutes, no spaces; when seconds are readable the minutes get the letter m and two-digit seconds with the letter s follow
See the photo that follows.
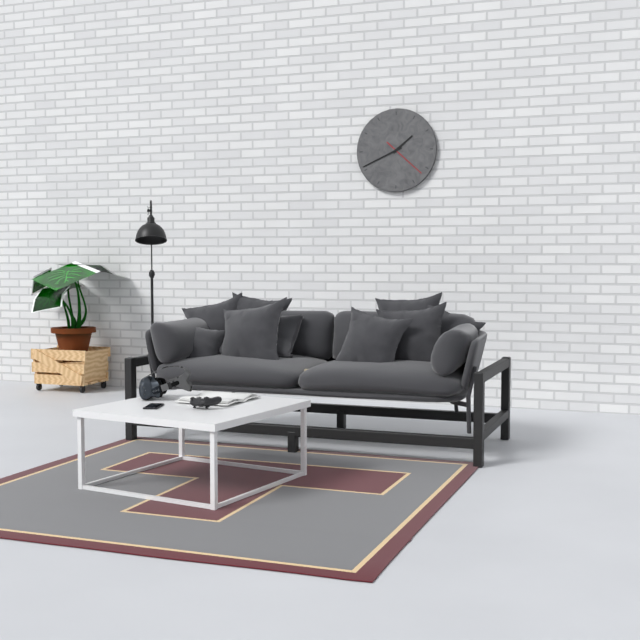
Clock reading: 1h41
